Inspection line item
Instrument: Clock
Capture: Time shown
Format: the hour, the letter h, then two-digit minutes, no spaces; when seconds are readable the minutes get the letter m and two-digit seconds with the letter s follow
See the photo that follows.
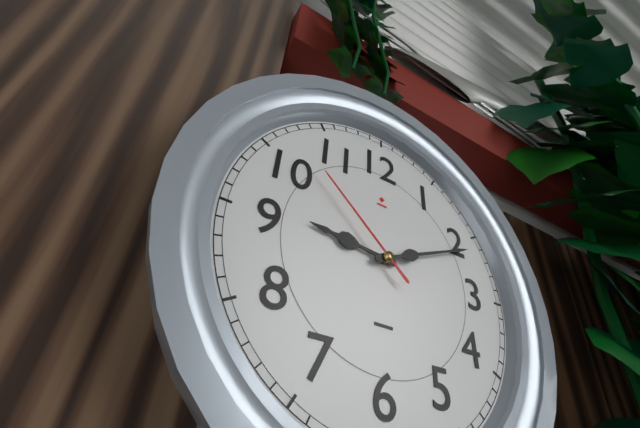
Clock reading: 9h11m52s
